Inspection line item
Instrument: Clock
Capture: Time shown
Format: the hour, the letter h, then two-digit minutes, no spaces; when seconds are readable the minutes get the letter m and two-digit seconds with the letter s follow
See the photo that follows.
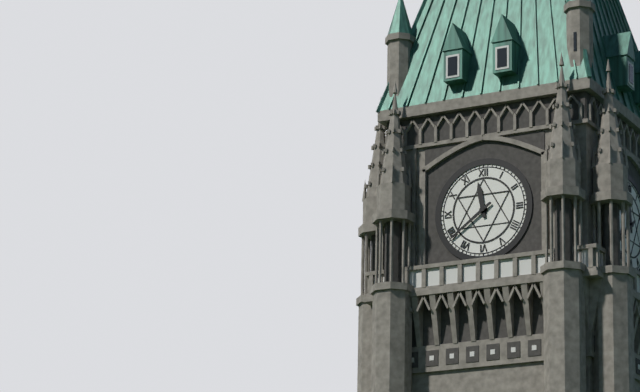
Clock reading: 11h39
